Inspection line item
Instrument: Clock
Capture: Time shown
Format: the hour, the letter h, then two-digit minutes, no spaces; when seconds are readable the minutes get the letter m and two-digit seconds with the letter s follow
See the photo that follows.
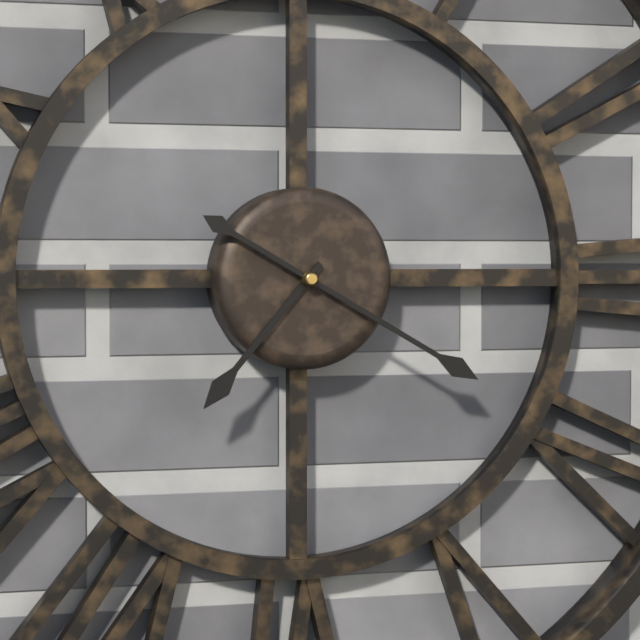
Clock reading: 7h20
